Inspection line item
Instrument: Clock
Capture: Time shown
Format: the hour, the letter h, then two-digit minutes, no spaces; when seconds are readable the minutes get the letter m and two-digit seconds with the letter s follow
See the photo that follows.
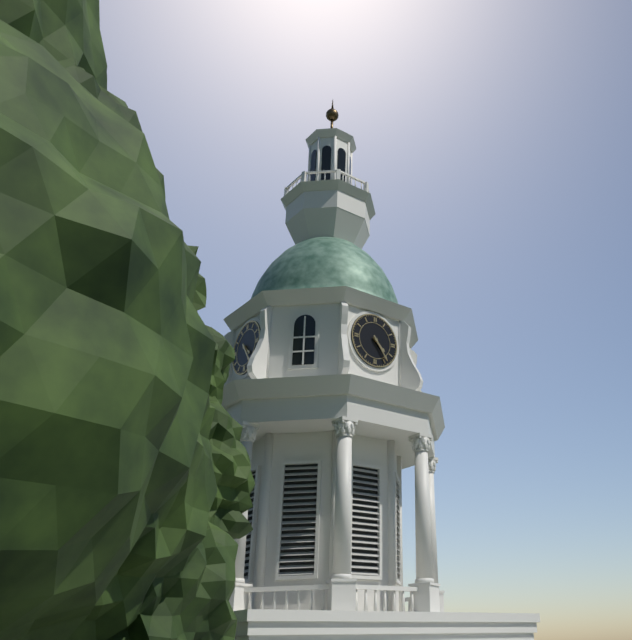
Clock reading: 4h24
